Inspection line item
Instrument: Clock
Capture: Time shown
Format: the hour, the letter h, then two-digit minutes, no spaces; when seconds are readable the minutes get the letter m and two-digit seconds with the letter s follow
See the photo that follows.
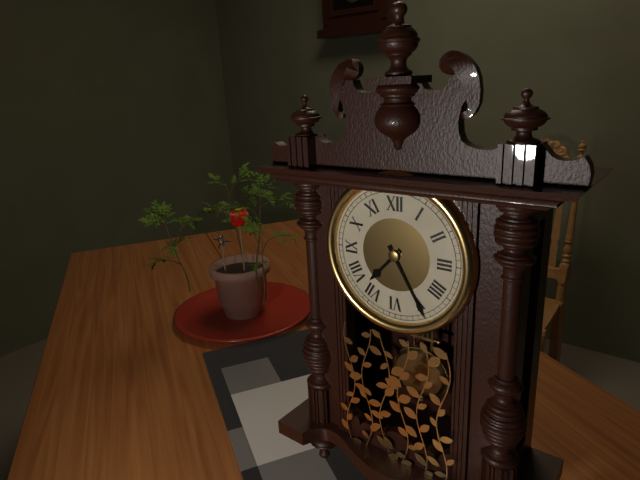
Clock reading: 7h25
